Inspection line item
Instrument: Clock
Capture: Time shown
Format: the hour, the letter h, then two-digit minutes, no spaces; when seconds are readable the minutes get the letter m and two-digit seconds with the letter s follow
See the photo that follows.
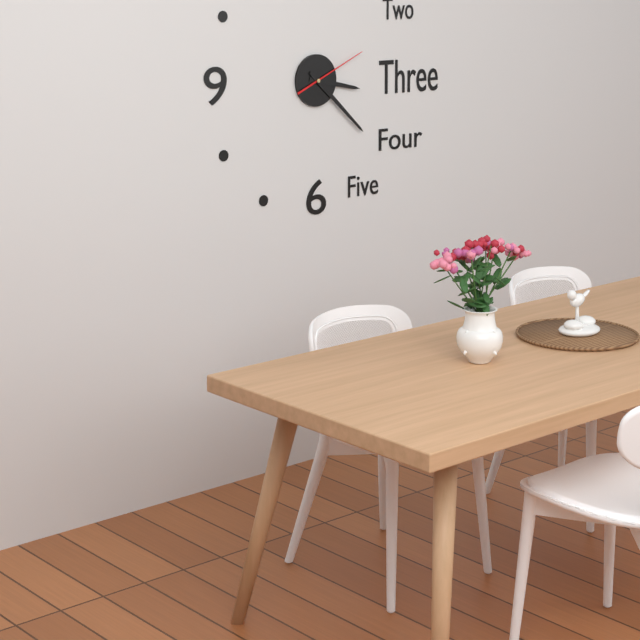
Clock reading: 3h22m11s
